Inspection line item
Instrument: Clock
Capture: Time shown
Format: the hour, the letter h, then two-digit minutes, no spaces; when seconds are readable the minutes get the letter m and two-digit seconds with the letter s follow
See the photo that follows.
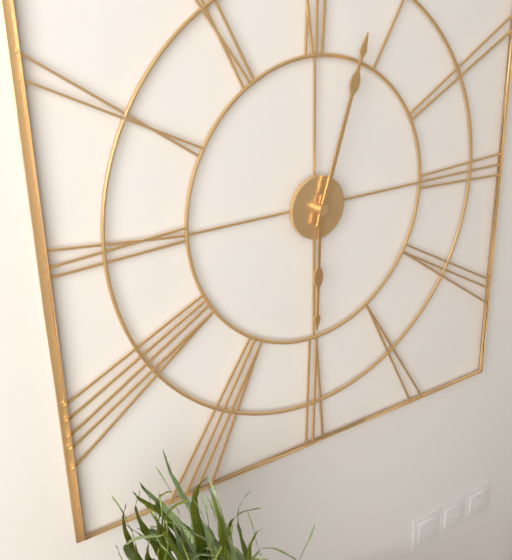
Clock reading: 6h03
